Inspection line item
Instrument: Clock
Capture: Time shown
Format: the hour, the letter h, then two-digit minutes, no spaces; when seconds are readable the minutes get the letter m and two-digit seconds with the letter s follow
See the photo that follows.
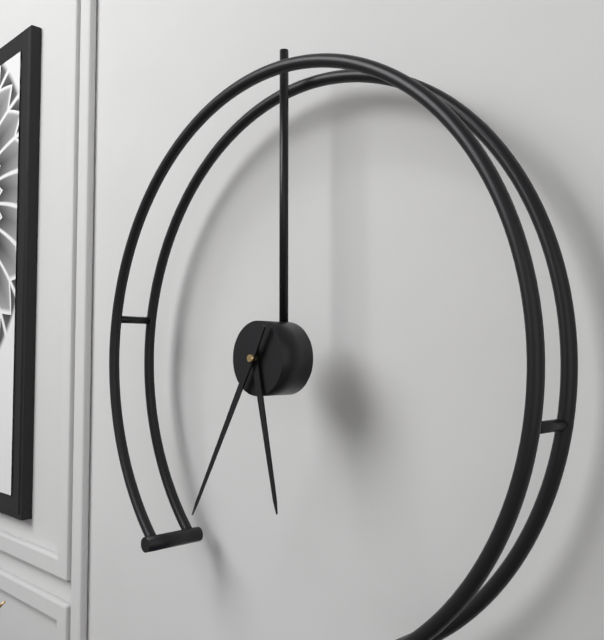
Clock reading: 5h35
